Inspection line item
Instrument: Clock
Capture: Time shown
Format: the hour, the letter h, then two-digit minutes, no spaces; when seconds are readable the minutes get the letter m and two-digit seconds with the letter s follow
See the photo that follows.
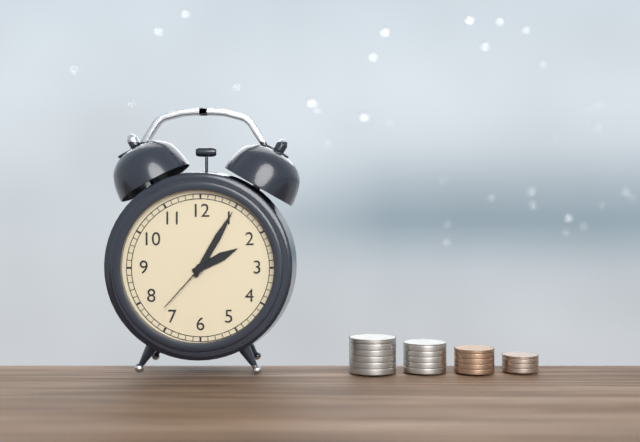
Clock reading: 2h05m37s
